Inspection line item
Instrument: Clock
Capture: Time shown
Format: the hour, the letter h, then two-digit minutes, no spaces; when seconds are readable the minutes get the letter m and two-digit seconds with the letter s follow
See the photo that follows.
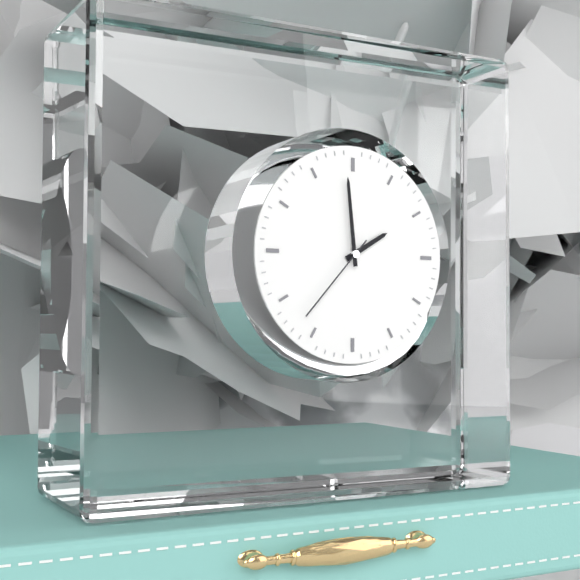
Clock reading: 1h59m37s
